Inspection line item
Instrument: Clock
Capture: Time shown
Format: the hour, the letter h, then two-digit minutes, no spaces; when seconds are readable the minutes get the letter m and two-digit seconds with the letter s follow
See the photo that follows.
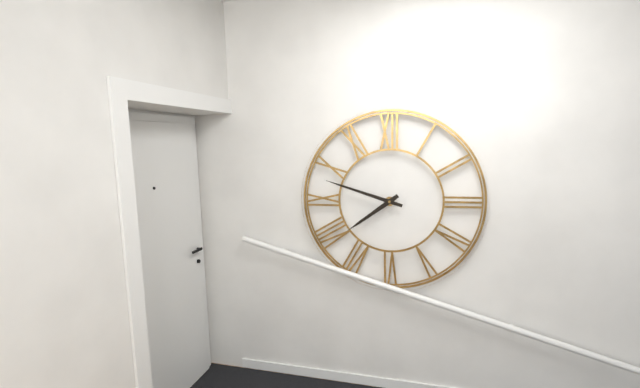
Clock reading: 7h48
